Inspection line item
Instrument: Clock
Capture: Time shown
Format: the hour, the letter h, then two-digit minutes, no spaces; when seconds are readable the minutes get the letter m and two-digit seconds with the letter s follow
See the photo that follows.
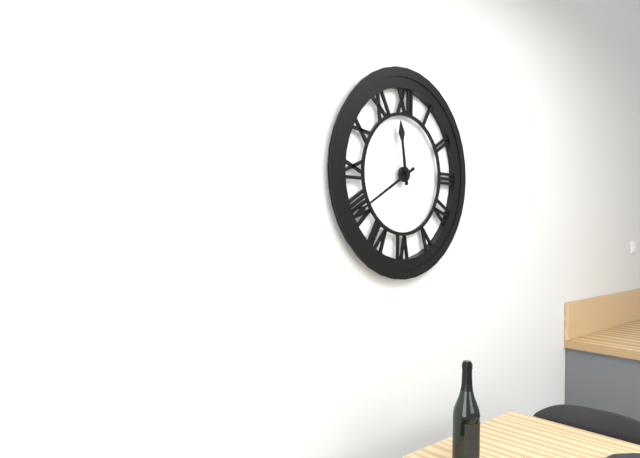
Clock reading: 11h40
